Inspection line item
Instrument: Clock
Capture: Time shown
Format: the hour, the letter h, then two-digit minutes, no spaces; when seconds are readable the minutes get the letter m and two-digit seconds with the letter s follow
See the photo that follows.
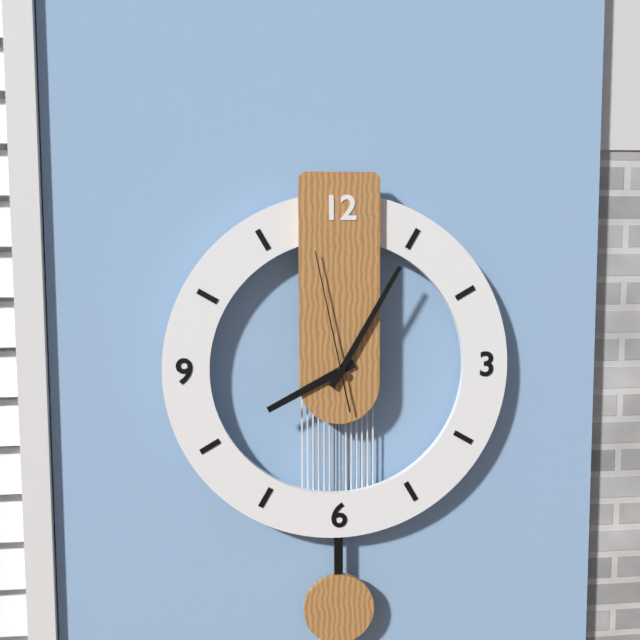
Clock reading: 8h05m58s
